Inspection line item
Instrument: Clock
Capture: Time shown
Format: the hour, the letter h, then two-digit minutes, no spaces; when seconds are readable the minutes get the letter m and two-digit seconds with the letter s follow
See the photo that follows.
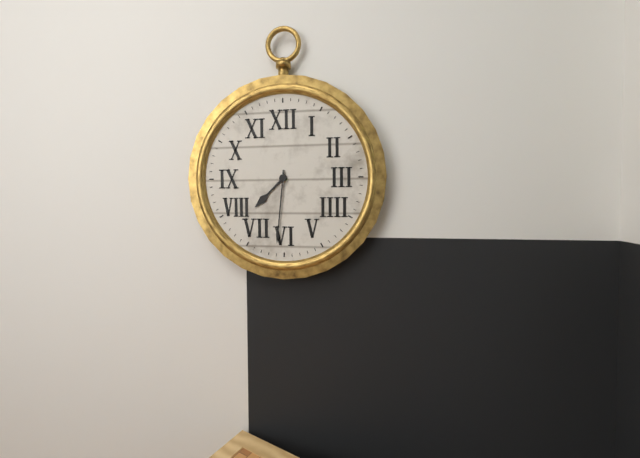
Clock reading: 7h31
